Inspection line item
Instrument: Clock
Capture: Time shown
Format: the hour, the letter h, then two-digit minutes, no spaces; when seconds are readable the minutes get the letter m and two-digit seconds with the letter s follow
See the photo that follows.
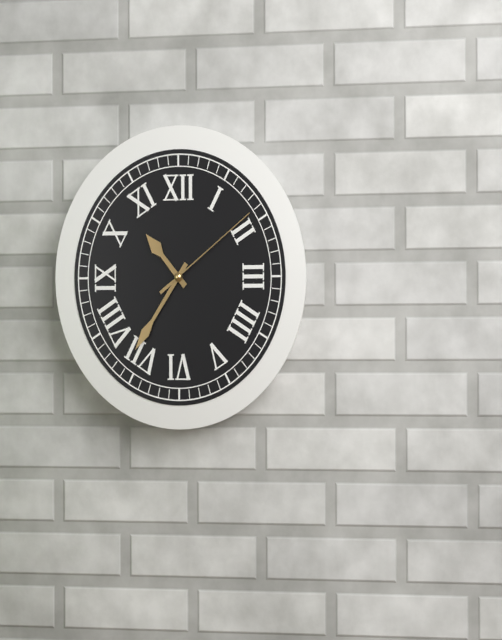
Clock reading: 10h36m09s
